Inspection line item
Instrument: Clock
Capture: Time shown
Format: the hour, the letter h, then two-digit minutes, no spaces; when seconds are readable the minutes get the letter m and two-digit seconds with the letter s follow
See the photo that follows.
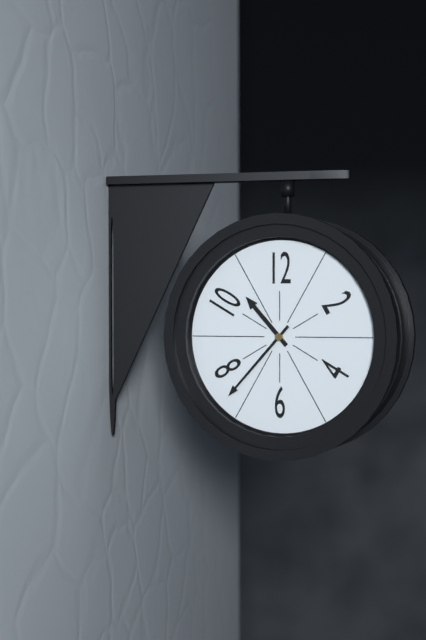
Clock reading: 10h37
